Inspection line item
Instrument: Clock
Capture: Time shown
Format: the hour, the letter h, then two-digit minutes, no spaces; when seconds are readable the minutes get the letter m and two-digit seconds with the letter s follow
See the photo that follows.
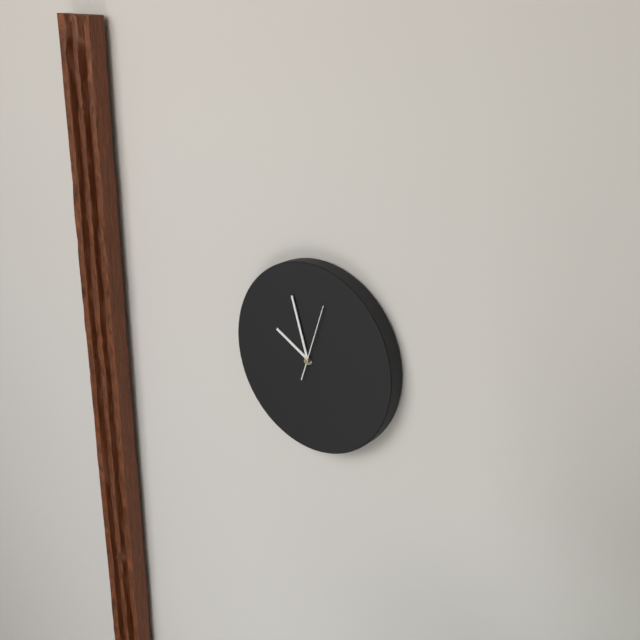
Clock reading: 9h57m03s
